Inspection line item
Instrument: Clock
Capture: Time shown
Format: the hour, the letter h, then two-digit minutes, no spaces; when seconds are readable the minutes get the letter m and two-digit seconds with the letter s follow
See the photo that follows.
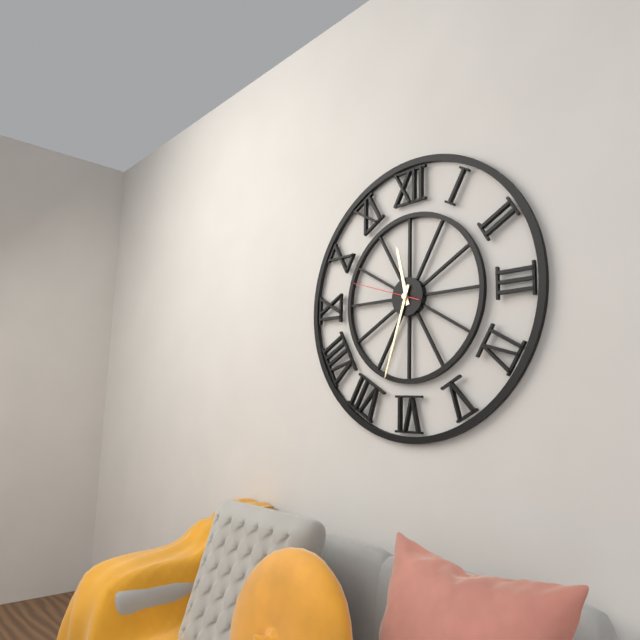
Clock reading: 11h33m48s
